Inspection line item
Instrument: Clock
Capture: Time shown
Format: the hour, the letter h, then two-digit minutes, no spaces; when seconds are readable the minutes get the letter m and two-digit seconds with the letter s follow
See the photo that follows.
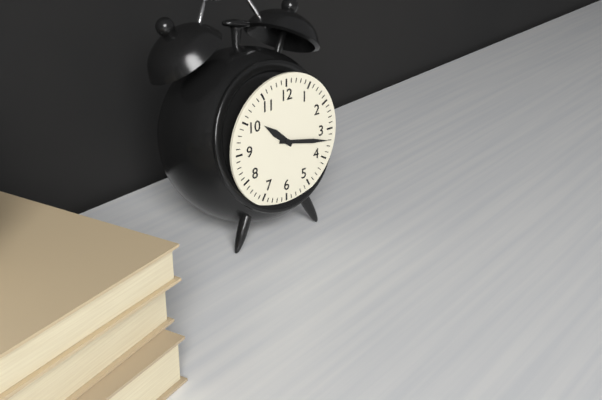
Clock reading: 10h17
